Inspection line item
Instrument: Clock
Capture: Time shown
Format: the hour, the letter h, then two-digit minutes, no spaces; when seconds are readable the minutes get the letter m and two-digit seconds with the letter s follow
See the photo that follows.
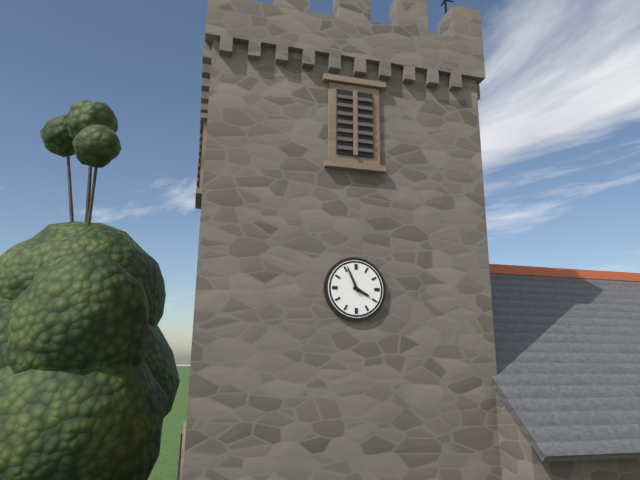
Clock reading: 3h56
